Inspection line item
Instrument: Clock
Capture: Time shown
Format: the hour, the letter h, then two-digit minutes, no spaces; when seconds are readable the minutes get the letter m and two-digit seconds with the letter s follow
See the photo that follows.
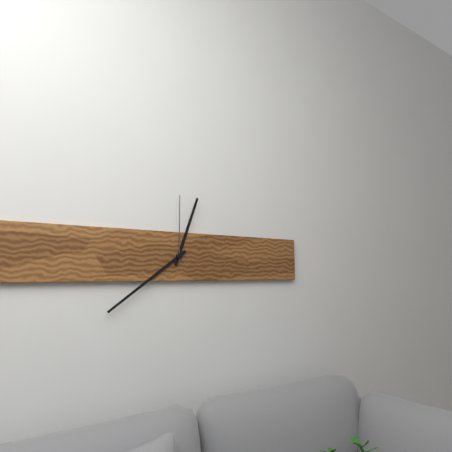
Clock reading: 12h39m00s
